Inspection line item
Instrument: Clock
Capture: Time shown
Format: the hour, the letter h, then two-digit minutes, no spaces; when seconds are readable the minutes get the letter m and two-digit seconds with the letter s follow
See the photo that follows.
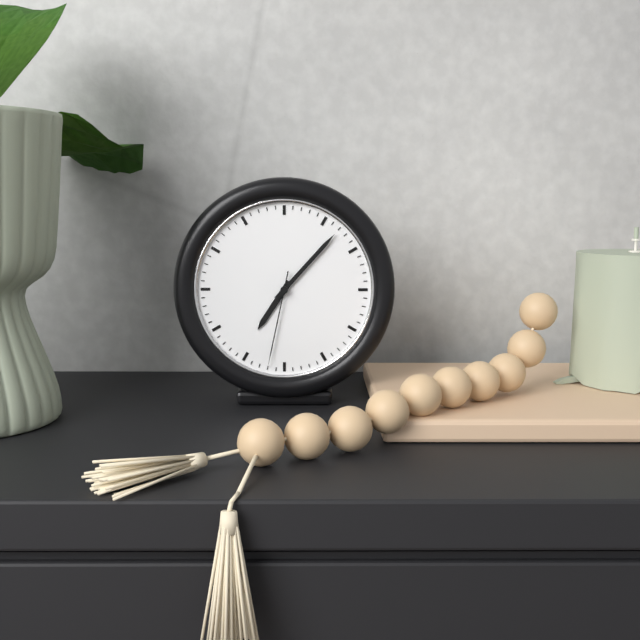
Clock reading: 7h07m32s
